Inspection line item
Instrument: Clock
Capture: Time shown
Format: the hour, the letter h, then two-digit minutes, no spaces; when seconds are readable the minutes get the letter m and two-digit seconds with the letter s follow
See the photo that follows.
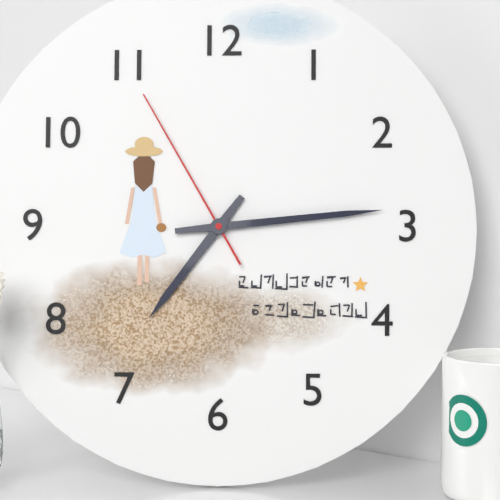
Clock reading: 7h14m55s
